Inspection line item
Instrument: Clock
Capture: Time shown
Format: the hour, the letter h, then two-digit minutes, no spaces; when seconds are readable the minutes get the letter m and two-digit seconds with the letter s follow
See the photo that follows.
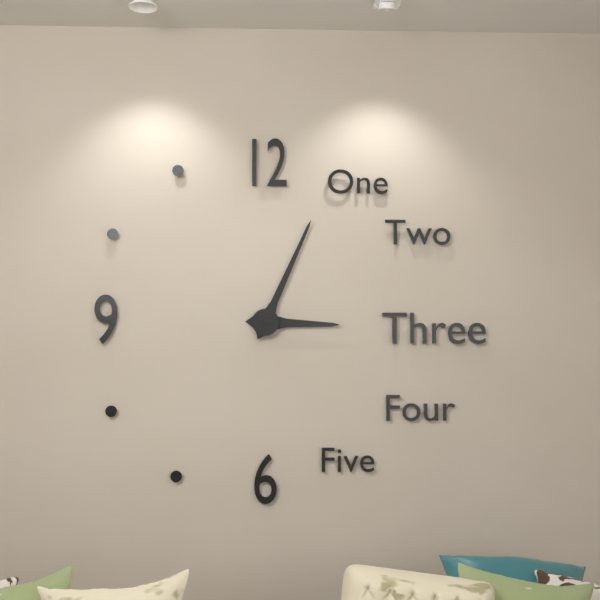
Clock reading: 3h04
